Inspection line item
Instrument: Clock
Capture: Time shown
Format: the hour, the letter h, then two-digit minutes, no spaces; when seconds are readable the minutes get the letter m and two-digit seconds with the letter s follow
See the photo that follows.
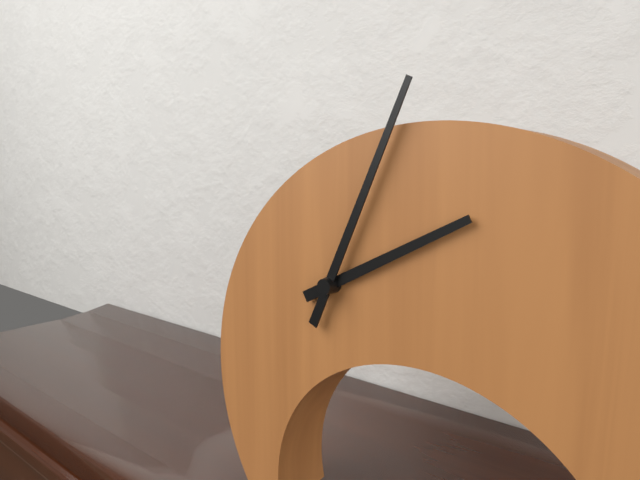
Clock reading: 2h04
